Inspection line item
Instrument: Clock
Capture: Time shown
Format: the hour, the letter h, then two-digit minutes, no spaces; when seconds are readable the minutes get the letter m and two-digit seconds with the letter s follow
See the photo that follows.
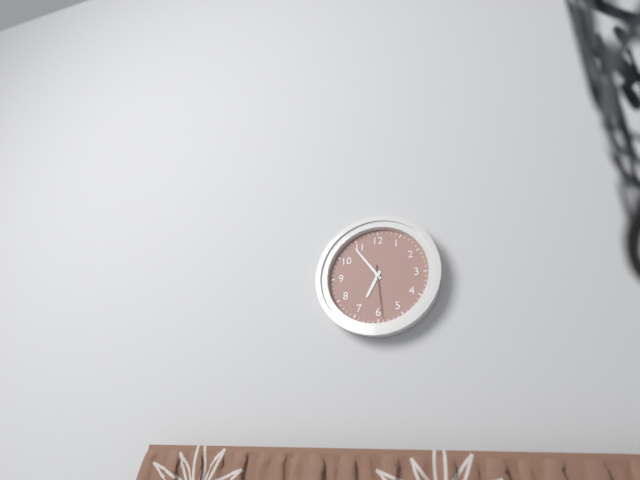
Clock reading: 6h54m29s
